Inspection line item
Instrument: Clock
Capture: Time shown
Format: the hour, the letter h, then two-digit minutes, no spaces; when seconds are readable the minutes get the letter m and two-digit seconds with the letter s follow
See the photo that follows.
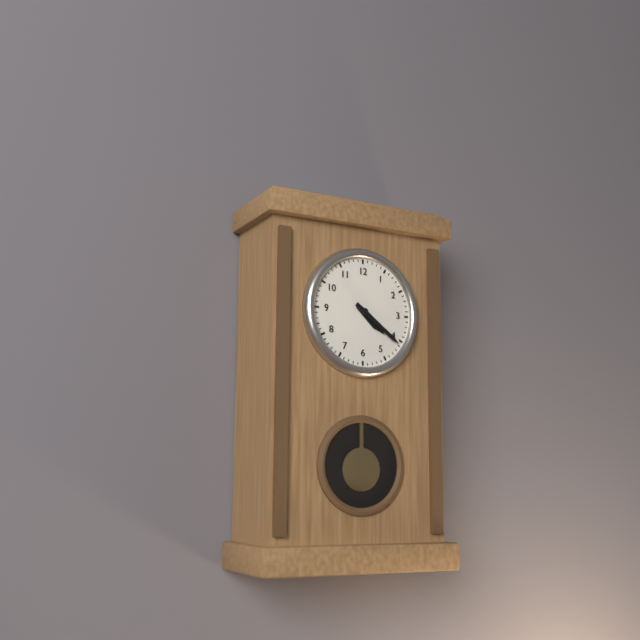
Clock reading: 4h21
